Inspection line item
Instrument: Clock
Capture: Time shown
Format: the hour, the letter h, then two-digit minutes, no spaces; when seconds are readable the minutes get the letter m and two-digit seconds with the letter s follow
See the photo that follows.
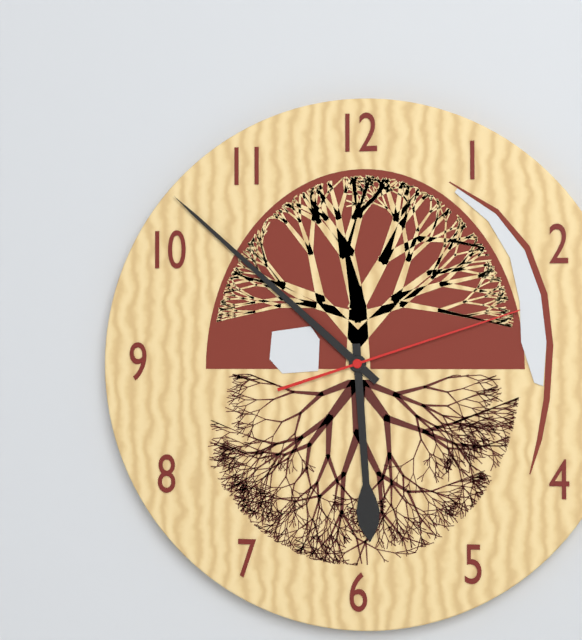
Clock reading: 5h52m12s
